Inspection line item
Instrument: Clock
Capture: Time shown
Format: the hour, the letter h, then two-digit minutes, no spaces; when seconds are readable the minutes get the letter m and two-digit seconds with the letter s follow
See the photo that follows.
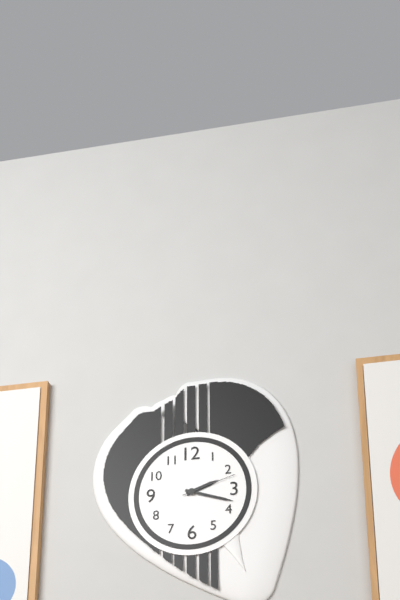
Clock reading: 2h18m12s
